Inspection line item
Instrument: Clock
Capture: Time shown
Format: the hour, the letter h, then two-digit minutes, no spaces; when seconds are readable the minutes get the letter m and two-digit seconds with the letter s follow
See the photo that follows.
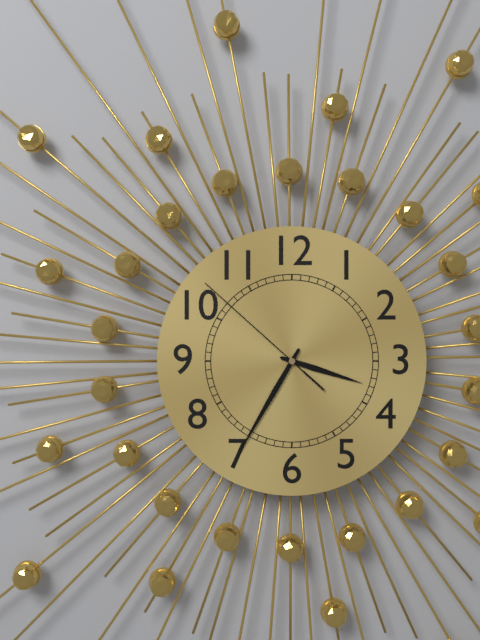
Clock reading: 3h35m52s
